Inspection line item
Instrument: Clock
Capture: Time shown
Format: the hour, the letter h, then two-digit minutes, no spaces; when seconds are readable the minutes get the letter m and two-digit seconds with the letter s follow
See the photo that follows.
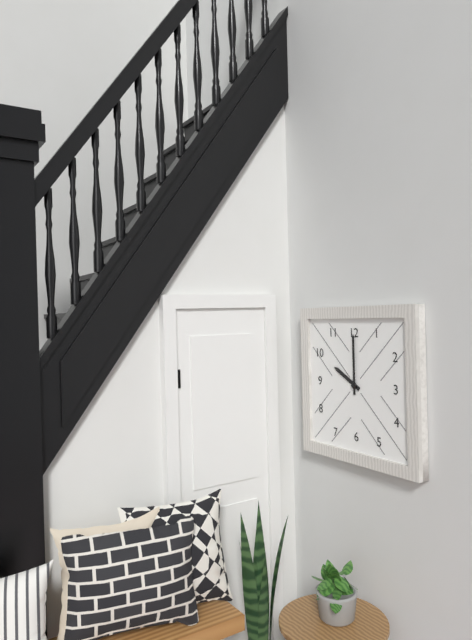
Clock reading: 10h00
